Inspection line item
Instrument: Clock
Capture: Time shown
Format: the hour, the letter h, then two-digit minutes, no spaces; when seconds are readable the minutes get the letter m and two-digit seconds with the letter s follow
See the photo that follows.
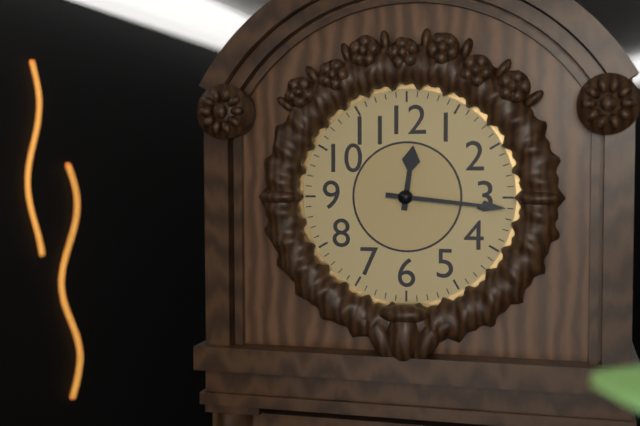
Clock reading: 12h16
